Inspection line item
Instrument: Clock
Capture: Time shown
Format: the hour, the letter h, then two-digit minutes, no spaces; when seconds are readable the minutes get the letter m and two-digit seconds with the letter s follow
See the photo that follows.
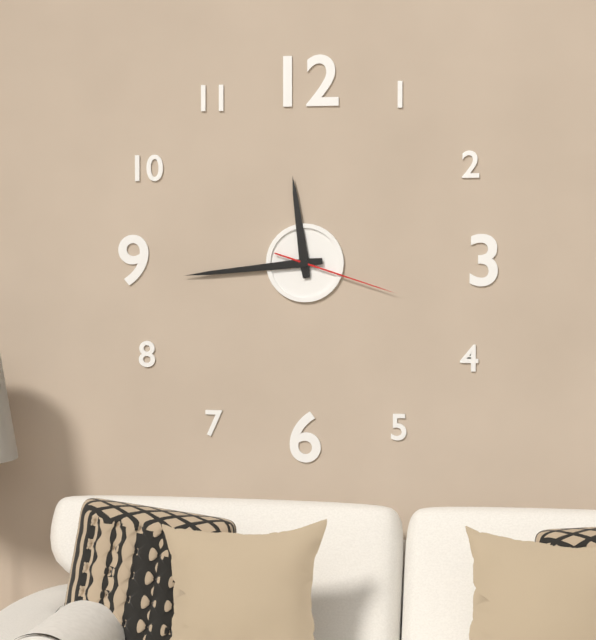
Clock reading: 11h44m18s
